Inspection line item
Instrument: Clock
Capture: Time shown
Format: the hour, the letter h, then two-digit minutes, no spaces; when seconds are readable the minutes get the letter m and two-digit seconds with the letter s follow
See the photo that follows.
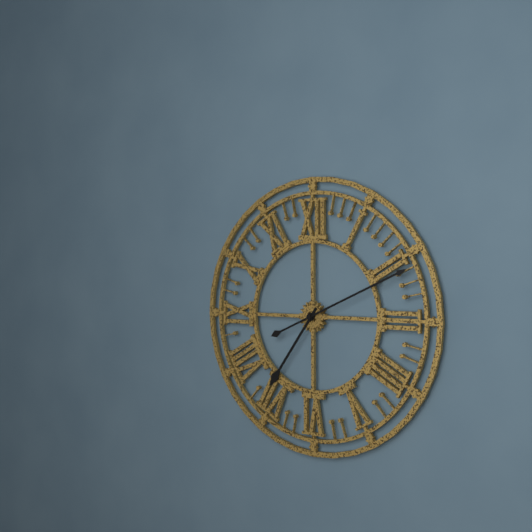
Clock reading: 7h11
